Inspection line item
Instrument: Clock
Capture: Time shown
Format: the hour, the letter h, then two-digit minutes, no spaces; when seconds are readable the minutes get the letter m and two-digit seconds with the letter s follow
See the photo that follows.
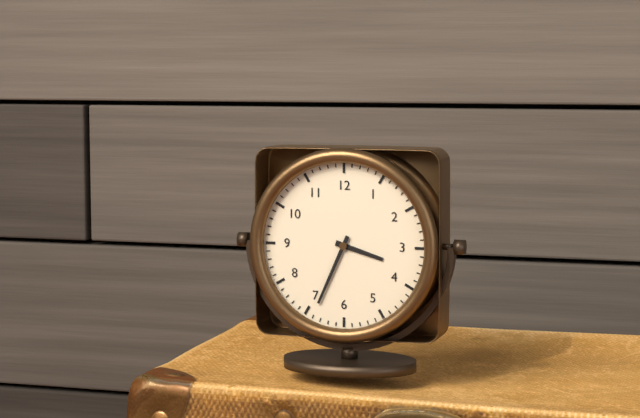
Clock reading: 3h34
